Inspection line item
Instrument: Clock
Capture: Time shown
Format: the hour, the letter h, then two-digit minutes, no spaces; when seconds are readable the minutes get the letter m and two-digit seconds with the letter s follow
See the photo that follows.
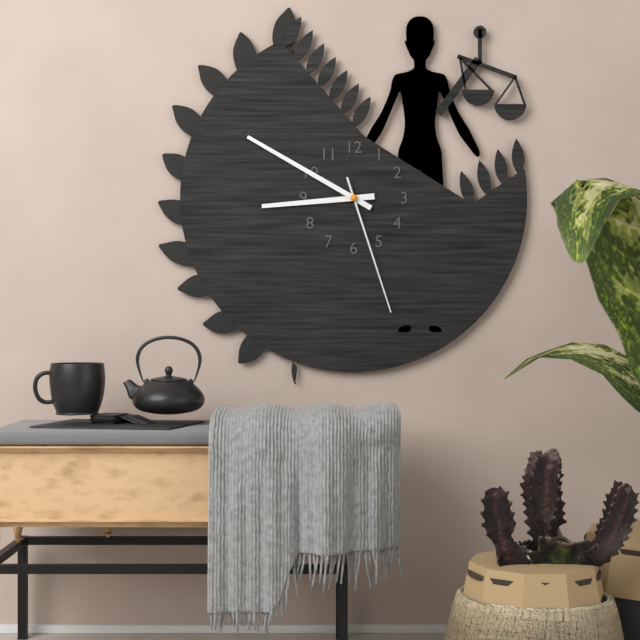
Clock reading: 8h50m27s
